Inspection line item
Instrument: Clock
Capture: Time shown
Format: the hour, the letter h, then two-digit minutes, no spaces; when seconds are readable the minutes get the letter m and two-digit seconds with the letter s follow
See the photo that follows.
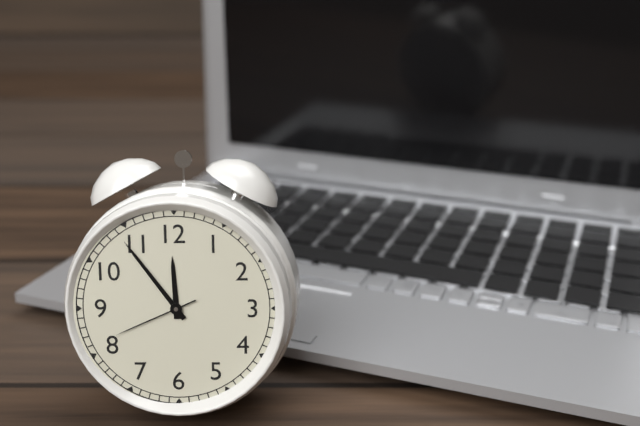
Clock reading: 11h54m41s
